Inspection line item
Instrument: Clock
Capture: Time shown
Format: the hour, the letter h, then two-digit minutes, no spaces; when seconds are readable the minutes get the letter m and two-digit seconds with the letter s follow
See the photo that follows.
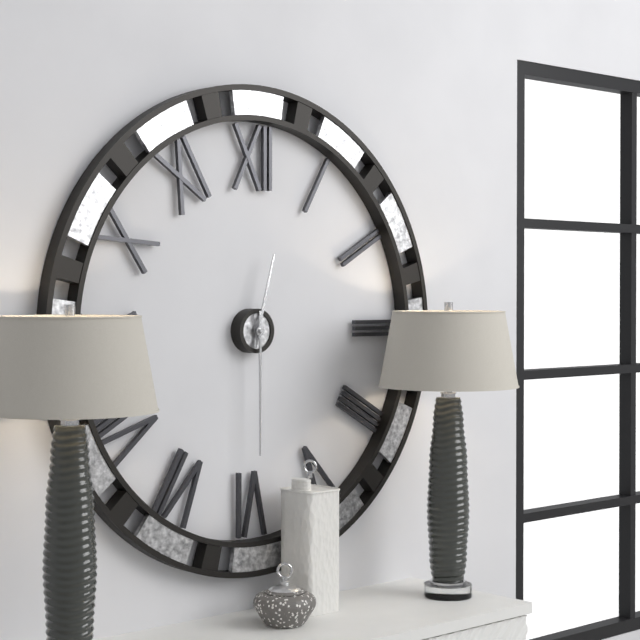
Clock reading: 12h30
